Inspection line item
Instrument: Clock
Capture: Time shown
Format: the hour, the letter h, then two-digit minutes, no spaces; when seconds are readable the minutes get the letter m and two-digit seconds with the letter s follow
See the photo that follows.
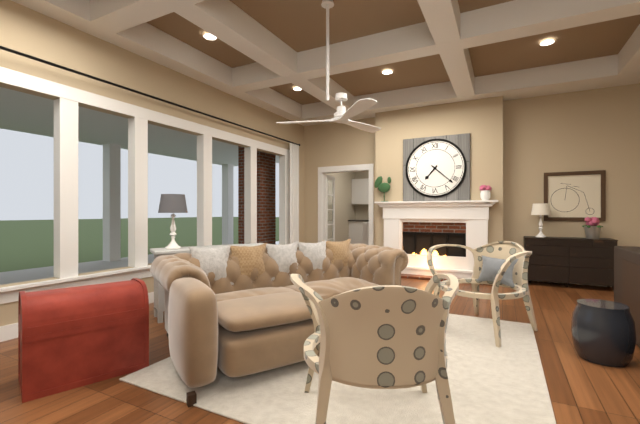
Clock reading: 7h22
